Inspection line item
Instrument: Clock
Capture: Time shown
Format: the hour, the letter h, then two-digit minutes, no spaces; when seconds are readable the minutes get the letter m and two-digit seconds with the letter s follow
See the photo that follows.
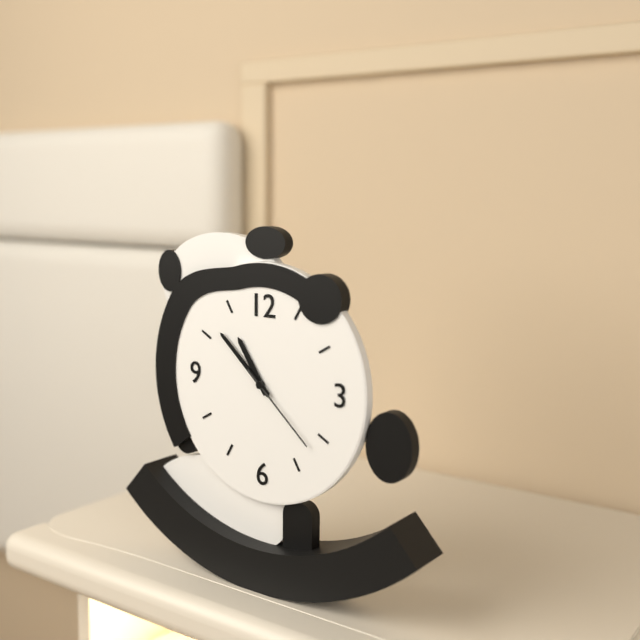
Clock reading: 10h52m22s
